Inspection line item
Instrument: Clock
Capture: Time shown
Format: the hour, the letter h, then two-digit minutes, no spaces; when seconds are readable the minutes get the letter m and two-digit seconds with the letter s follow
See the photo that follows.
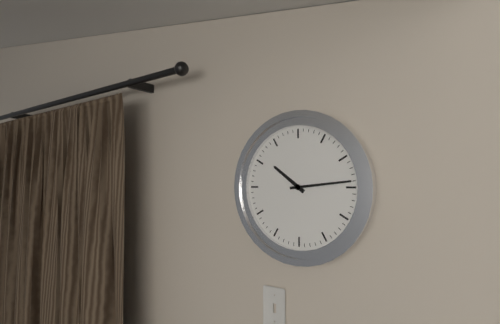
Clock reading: 10h14
